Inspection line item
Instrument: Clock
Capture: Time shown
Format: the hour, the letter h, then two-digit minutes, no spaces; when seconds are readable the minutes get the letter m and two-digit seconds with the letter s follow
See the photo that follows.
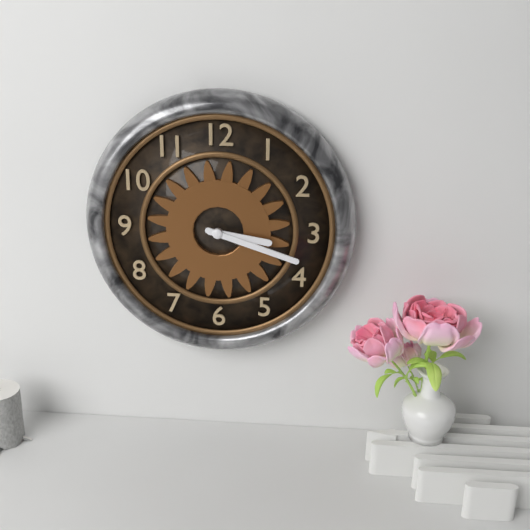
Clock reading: 3h18
